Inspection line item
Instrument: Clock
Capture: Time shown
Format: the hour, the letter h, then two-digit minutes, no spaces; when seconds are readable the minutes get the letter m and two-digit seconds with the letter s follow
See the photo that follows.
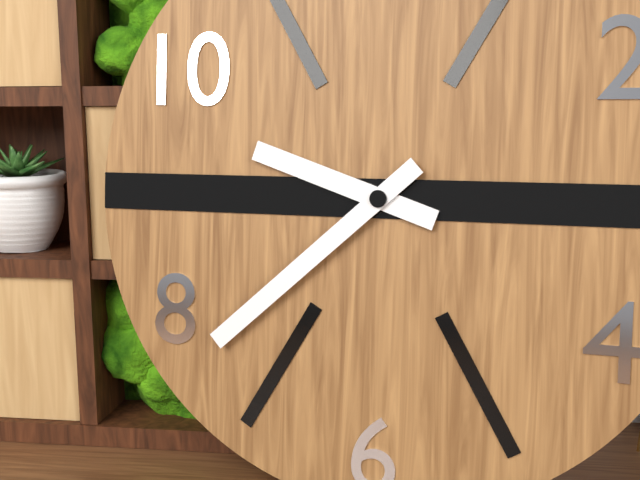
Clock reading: 9h38
